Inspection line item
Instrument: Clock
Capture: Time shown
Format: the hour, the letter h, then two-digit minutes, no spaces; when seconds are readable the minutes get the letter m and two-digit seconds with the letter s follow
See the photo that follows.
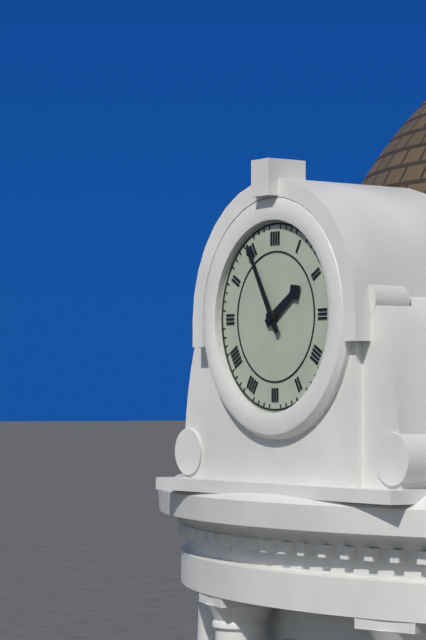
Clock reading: 1h55
